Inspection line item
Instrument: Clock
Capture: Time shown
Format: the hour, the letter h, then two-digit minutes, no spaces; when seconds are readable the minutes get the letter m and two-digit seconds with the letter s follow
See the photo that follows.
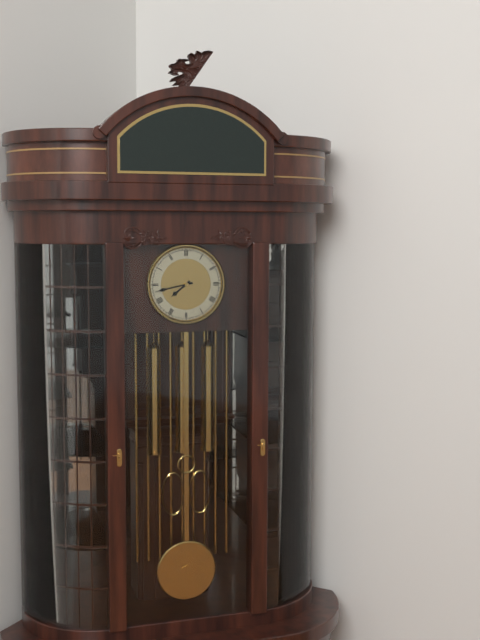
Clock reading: 7h43
